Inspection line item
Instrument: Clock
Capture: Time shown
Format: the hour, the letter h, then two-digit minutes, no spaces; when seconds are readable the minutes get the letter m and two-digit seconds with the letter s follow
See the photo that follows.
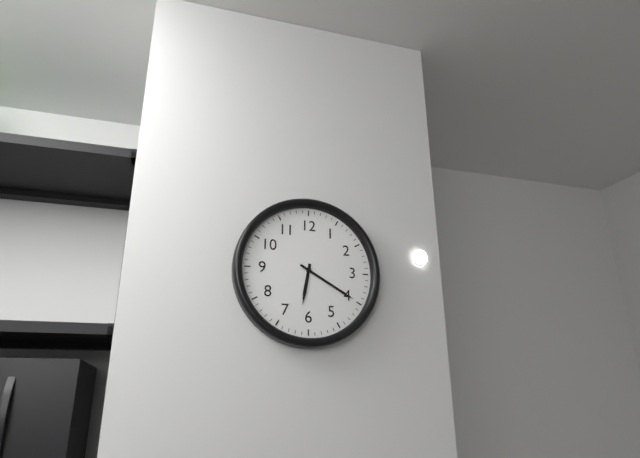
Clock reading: 6h20
